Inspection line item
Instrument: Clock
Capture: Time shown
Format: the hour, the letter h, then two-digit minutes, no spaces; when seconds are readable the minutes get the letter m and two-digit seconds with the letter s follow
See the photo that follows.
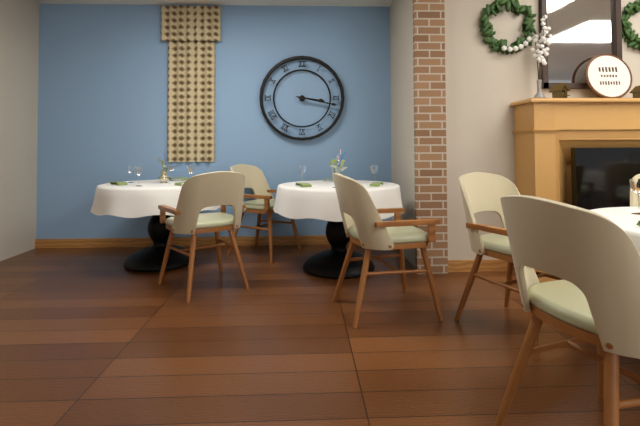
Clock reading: 3h17
